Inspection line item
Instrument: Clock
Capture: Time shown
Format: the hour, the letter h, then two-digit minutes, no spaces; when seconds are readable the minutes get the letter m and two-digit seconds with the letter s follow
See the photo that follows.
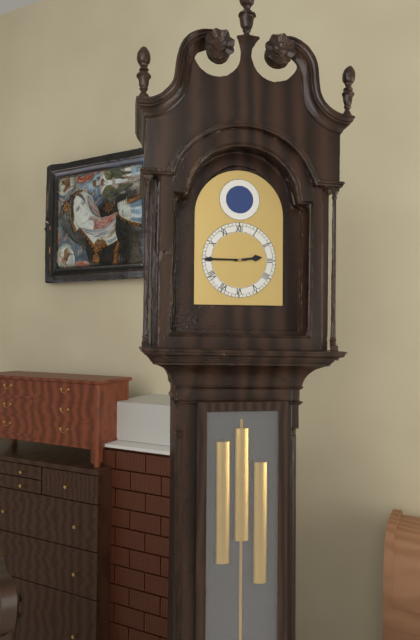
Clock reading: 2h45
